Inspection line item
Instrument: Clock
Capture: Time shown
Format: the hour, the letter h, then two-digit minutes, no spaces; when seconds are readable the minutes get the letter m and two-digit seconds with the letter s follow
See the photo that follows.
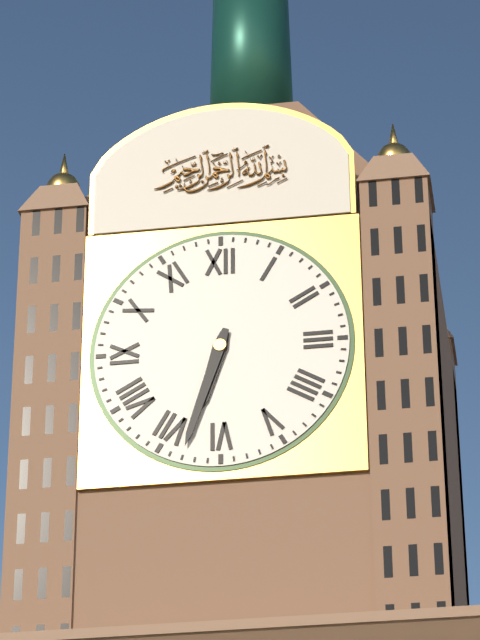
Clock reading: 6h33
